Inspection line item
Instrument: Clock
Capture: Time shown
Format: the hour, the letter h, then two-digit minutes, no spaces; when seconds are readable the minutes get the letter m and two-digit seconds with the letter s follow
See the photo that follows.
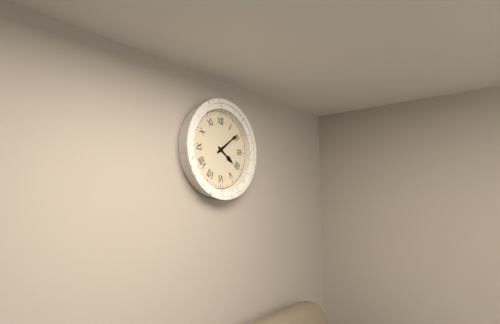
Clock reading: 4h09
